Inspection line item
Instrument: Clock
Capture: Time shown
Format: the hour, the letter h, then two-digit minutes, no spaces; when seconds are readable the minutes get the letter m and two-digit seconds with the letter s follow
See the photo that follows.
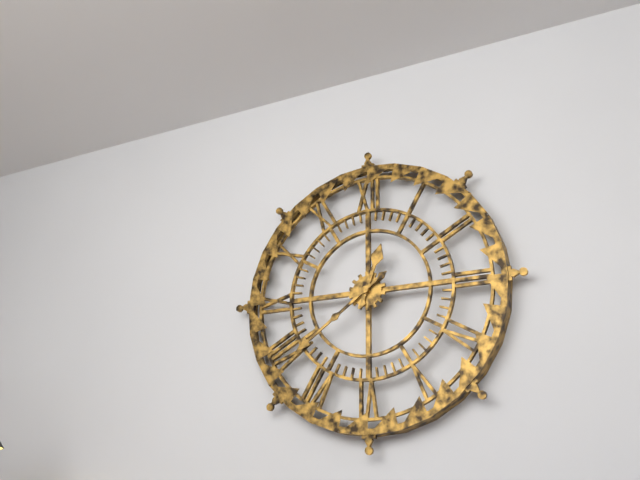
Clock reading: 12h39
